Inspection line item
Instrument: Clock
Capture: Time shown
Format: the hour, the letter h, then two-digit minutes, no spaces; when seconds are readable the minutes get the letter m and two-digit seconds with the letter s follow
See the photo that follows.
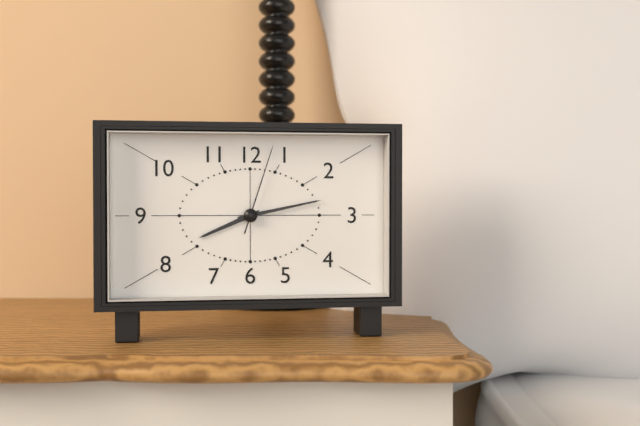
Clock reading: 8h13m03s
